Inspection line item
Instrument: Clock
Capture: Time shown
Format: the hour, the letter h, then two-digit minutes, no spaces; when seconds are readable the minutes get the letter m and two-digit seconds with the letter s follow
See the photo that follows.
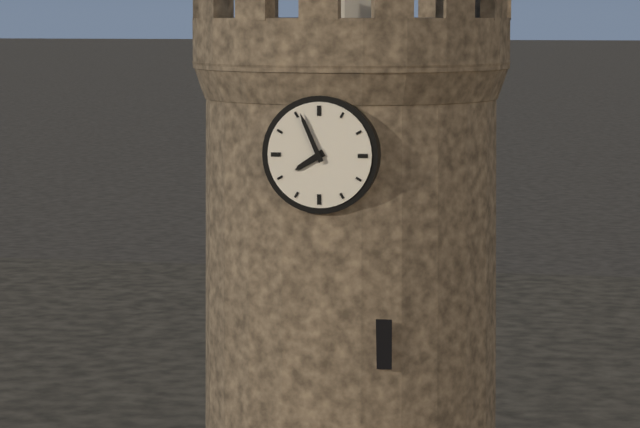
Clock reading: 7h56
